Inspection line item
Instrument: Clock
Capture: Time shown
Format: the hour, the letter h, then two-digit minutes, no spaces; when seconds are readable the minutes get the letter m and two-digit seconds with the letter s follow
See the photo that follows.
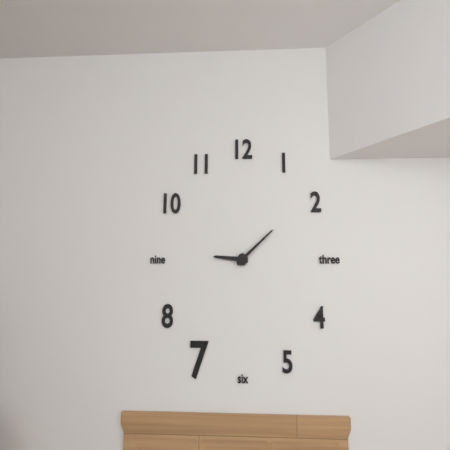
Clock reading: 9h09
